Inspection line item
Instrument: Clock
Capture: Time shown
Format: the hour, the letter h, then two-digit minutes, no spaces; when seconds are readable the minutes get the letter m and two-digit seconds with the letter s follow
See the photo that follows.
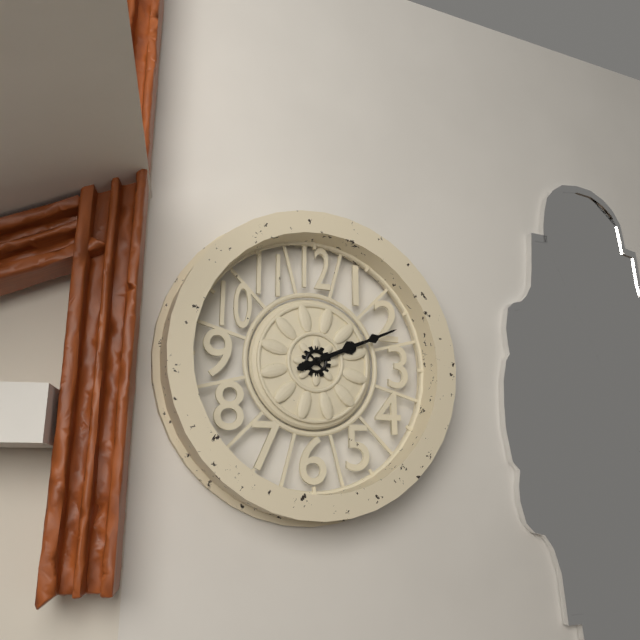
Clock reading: 2h11
